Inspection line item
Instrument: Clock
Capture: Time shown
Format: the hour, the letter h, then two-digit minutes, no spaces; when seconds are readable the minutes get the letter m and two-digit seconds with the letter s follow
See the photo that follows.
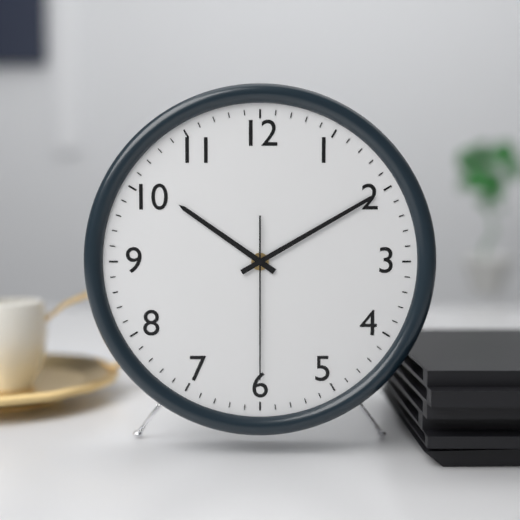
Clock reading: 10h10m30s
